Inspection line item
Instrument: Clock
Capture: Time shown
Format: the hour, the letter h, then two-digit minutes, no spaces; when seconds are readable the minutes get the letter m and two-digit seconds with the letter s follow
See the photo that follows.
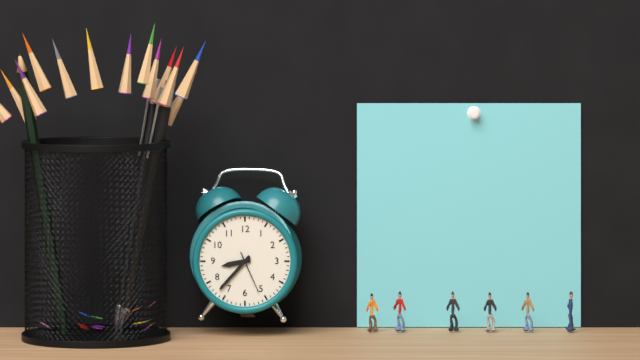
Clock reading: 8h37
